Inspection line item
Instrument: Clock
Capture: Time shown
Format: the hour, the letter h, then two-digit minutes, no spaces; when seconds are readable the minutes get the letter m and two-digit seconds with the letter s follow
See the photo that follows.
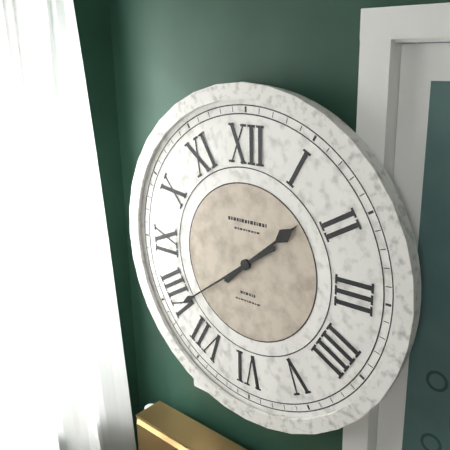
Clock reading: 1h39
